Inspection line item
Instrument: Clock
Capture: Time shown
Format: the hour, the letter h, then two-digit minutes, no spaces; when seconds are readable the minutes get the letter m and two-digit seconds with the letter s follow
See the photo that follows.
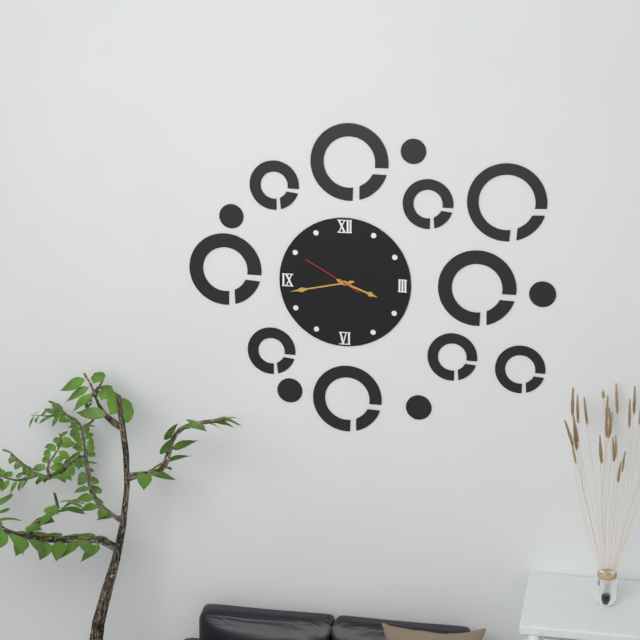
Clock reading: 3h43m50s
